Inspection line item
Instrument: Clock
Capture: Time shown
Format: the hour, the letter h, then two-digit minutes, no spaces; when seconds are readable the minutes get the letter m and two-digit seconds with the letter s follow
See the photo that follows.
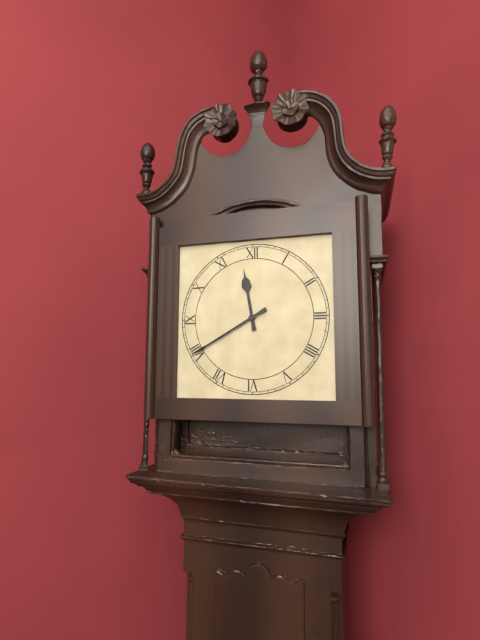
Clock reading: 11h40
